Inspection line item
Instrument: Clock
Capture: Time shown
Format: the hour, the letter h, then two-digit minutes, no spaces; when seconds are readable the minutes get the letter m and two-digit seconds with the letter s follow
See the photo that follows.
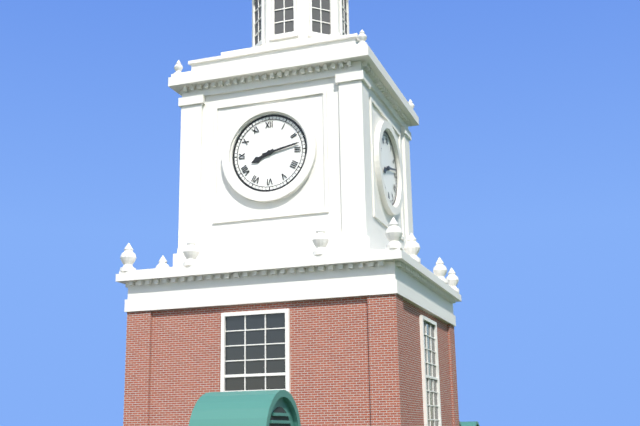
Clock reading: 8h13
